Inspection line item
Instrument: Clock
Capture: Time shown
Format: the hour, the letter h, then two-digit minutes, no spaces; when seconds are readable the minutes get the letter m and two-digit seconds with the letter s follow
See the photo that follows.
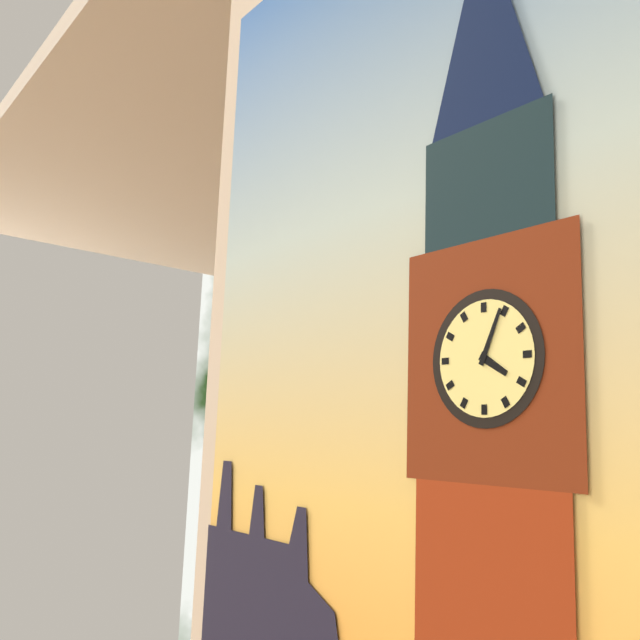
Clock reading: 4h04
